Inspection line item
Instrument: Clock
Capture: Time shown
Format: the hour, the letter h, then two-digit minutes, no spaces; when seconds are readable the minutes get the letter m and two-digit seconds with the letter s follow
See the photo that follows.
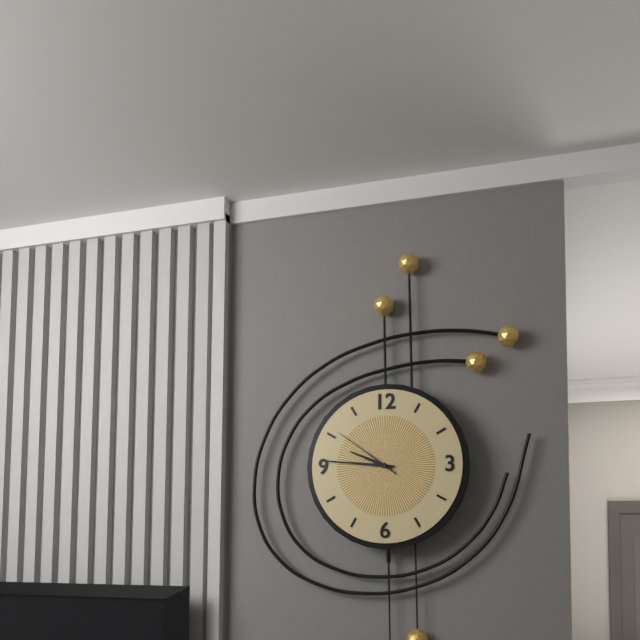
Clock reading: 9h46m51s
